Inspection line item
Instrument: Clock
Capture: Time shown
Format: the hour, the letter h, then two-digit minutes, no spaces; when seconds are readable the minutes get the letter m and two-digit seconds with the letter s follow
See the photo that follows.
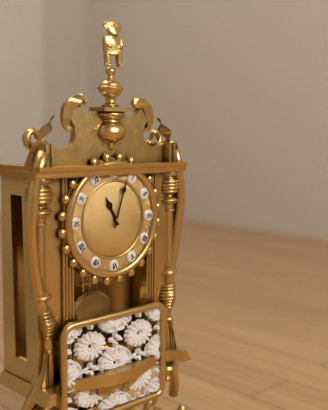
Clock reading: 11h03
